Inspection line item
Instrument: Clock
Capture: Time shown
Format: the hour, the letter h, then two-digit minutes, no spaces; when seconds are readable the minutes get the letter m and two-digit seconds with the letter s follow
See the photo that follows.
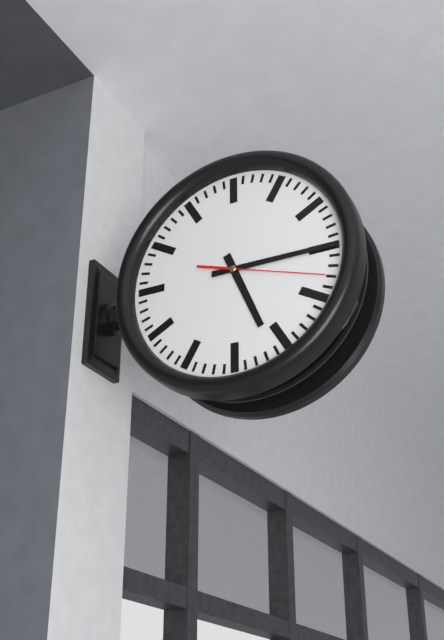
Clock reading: 5h15m18s
